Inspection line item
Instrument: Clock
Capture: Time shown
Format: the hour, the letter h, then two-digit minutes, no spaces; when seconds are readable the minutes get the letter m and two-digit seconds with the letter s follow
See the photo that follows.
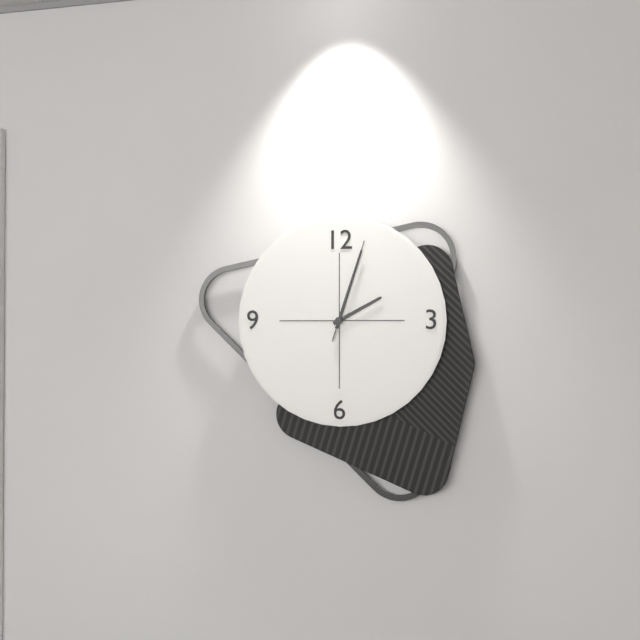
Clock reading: 2h03m03s
